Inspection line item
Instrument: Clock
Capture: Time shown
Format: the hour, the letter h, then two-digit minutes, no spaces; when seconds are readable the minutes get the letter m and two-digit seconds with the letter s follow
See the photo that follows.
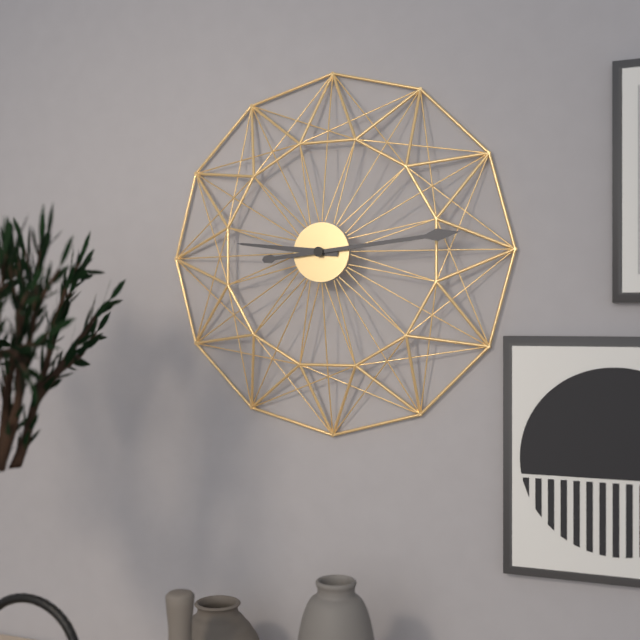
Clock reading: 9h14
